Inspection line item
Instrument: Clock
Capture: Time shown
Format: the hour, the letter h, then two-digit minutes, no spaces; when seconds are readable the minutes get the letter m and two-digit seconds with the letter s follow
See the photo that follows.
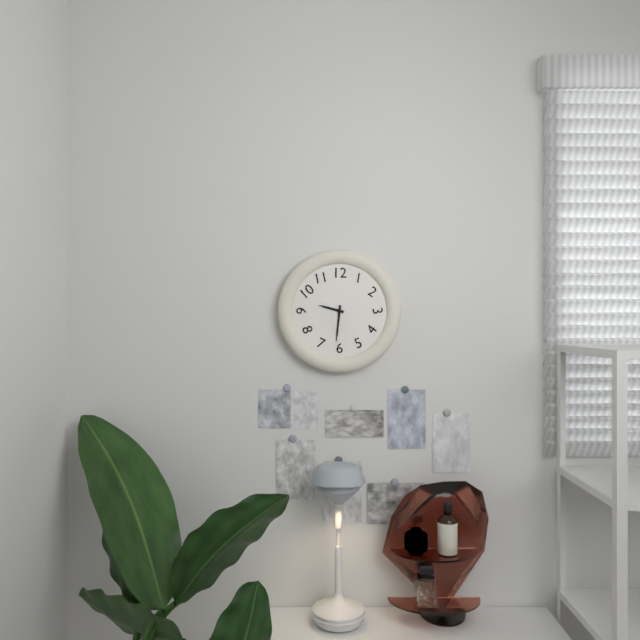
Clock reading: 9h31
